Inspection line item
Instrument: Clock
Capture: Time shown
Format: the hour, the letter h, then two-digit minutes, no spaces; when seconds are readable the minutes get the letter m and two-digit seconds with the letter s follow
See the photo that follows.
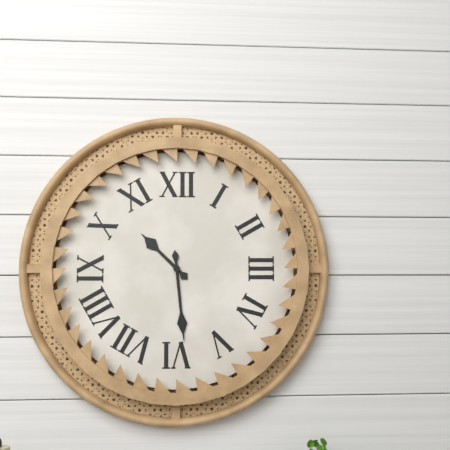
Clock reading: 10h29
